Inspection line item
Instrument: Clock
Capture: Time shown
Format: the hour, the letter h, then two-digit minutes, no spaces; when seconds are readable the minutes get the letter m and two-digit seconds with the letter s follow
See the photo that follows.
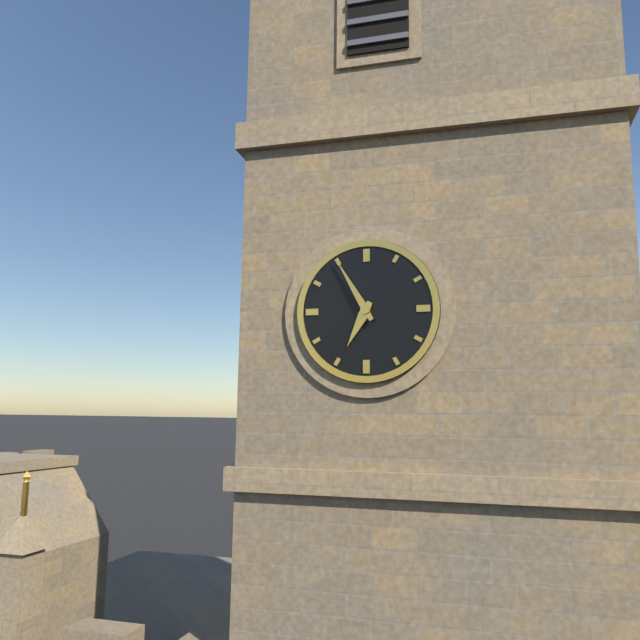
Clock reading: 6h55
